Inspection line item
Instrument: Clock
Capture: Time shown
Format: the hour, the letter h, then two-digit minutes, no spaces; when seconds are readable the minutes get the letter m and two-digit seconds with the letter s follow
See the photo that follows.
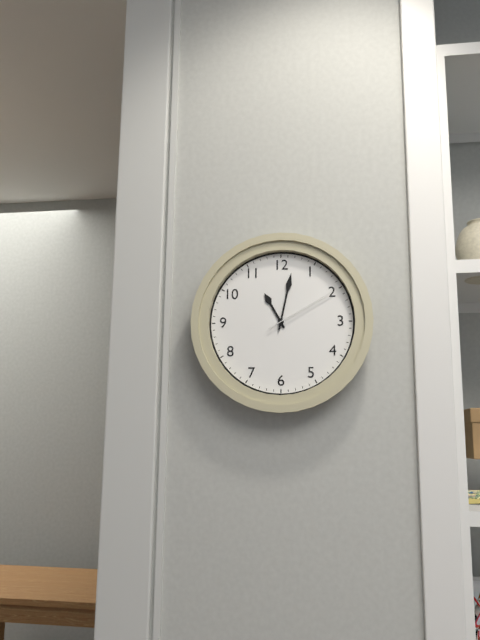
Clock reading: 11h02m10s
